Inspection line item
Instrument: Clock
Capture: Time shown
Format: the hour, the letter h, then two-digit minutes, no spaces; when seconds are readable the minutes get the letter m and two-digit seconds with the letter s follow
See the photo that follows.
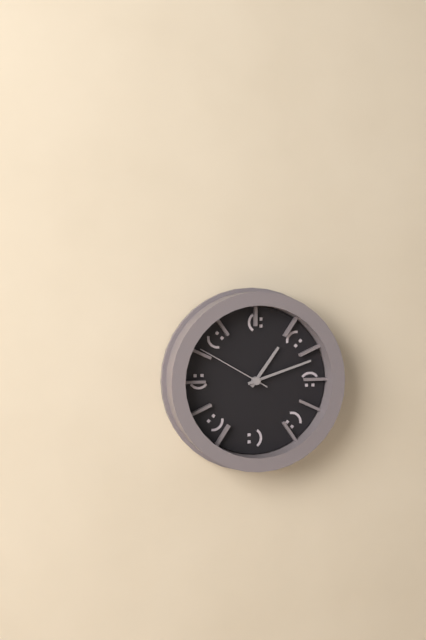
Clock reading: 1h12m50s
